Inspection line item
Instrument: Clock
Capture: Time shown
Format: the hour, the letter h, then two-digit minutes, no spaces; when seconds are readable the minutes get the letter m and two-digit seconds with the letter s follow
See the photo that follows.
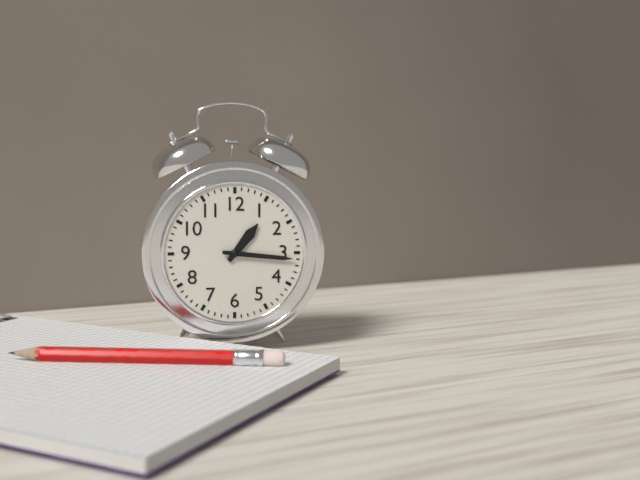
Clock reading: 1h16
